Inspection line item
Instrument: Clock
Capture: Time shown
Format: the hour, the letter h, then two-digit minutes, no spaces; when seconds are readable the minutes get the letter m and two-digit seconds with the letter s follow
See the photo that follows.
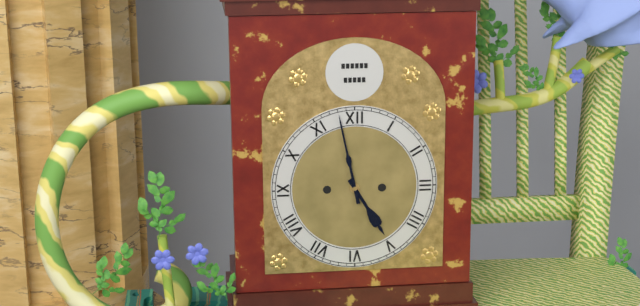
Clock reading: 4h58
